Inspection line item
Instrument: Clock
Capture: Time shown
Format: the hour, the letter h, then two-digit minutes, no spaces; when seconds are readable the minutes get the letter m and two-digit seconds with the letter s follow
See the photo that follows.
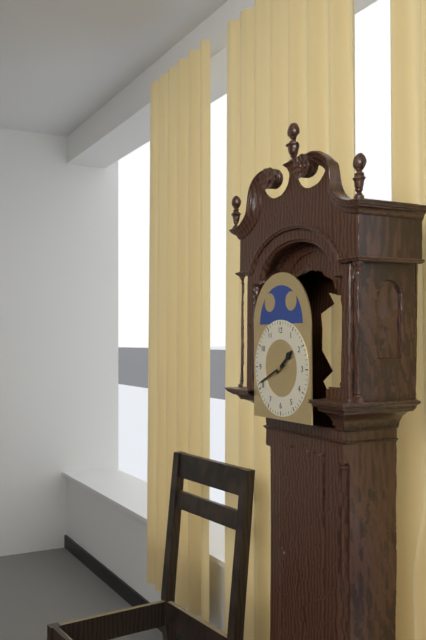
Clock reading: 1h41
